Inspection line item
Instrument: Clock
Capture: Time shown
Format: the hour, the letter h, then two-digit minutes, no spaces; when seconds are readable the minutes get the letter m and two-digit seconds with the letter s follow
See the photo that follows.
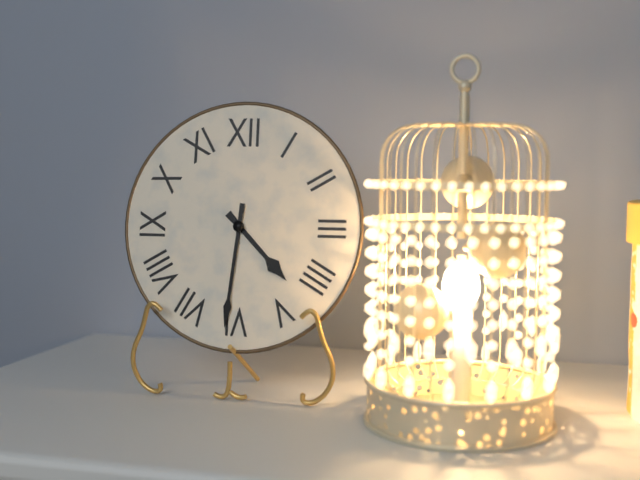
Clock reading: 4h31
